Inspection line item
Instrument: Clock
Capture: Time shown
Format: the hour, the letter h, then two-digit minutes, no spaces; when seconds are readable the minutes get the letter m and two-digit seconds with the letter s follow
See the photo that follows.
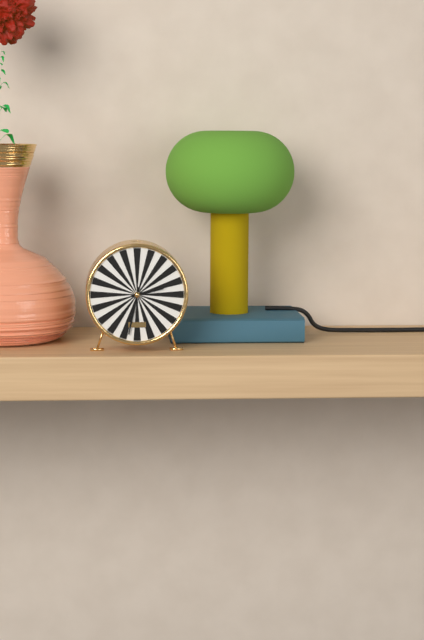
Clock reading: 2h32
